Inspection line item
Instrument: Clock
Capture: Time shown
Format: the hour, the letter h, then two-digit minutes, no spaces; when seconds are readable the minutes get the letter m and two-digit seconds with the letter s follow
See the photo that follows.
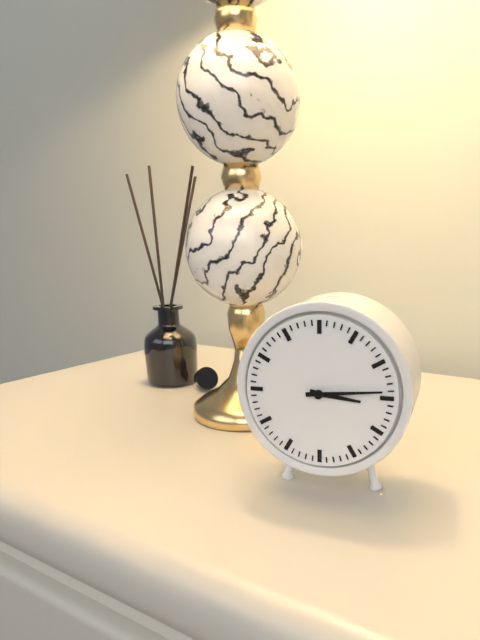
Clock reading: 3h14
